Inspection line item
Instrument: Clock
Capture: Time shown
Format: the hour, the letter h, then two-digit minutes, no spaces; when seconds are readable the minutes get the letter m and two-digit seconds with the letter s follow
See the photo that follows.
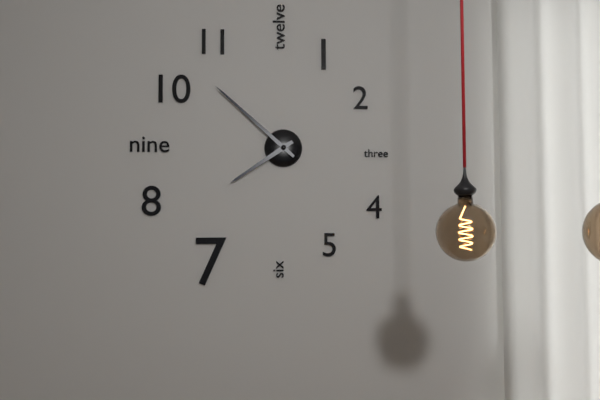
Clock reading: 7h52
